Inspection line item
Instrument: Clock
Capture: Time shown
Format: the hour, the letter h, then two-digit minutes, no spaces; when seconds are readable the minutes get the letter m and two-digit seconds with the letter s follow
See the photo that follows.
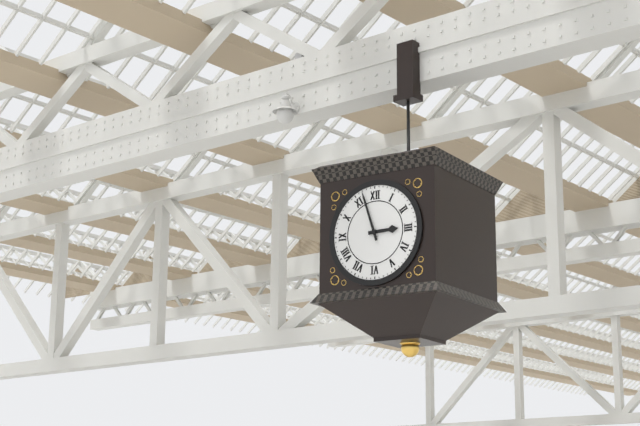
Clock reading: 2h57
